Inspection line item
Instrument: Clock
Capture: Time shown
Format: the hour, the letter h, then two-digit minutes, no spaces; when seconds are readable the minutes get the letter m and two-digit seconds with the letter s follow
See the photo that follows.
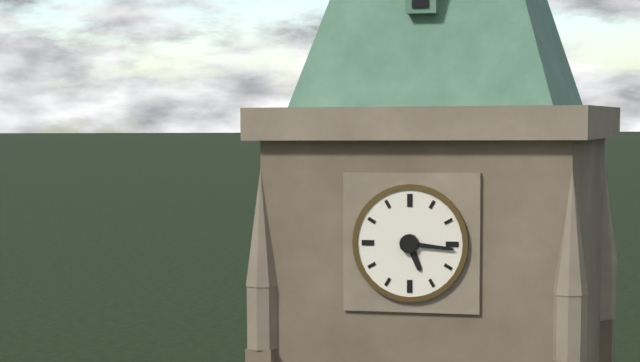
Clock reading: 5h16
